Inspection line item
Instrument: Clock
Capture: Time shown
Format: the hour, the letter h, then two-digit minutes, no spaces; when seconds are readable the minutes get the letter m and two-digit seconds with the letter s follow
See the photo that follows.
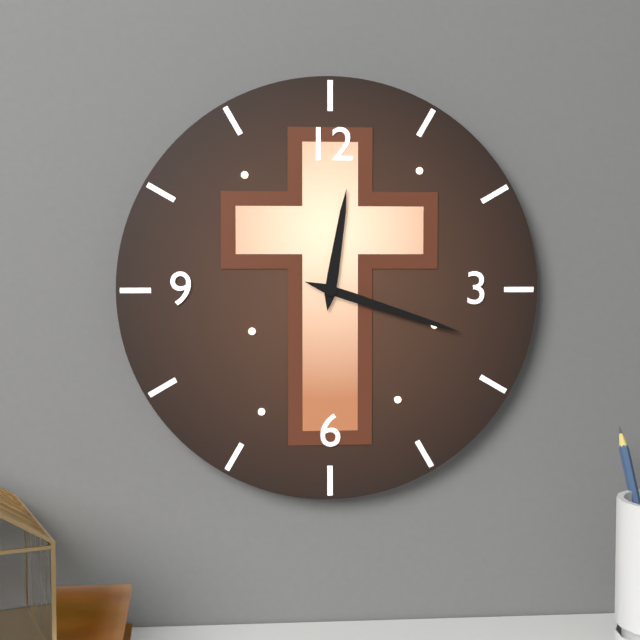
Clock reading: 12h18
